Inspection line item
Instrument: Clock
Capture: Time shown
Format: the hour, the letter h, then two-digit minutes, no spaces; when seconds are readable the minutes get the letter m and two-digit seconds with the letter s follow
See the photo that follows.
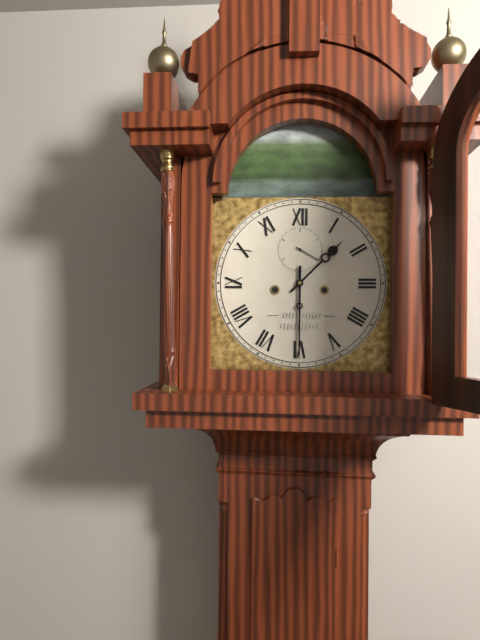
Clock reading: 1h30
